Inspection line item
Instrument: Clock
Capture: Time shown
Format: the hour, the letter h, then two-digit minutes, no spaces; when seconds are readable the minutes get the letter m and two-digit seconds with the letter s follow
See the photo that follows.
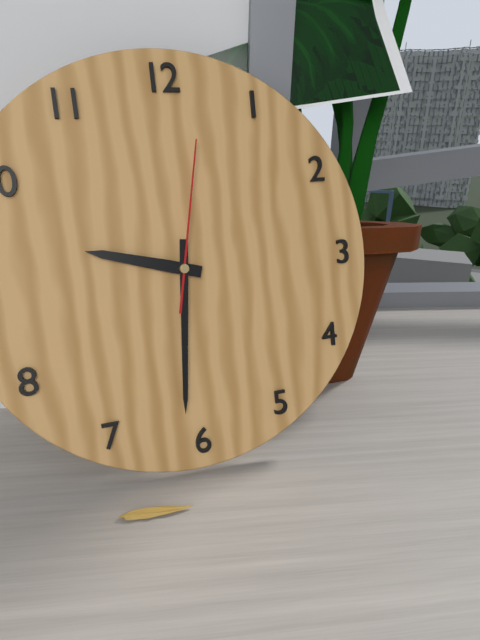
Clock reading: 9h31m02s
